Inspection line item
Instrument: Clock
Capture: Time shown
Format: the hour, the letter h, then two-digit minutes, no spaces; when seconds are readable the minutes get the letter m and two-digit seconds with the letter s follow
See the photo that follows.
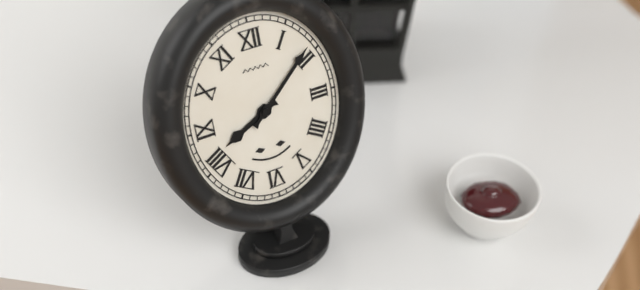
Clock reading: 8h08
